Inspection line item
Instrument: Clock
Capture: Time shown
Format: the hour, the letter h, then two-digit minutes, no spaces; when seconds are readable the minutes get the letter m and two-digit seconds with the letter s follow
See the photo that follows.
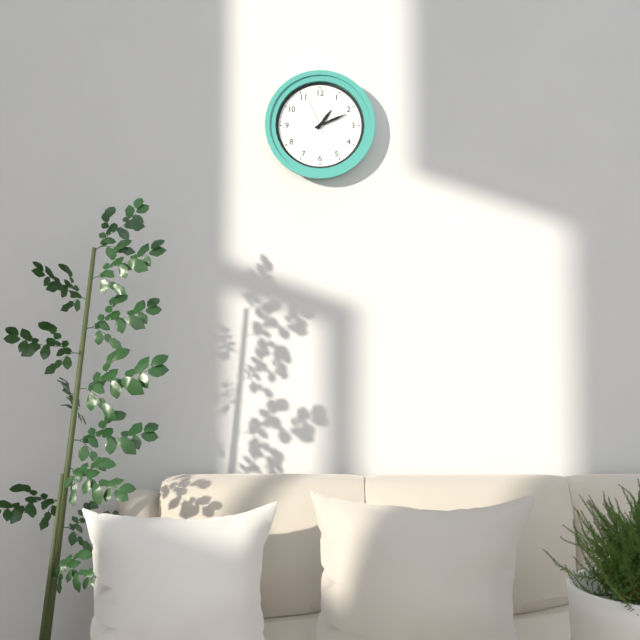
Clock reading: 1h11
